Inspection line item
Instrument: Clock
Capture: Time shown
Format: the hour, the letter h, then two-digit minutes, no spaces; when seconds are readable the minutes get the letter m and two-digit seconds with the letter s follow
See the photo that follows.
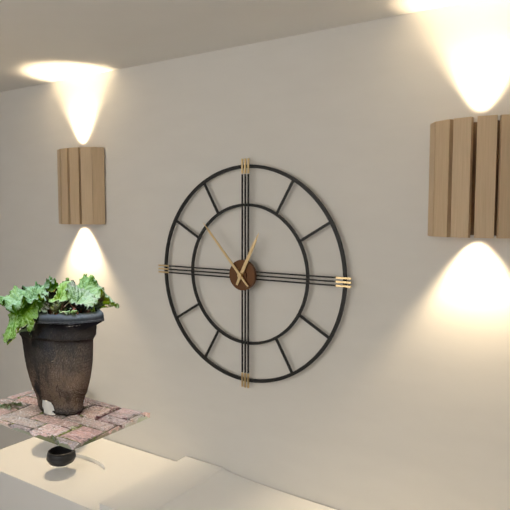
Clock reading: 12h53
